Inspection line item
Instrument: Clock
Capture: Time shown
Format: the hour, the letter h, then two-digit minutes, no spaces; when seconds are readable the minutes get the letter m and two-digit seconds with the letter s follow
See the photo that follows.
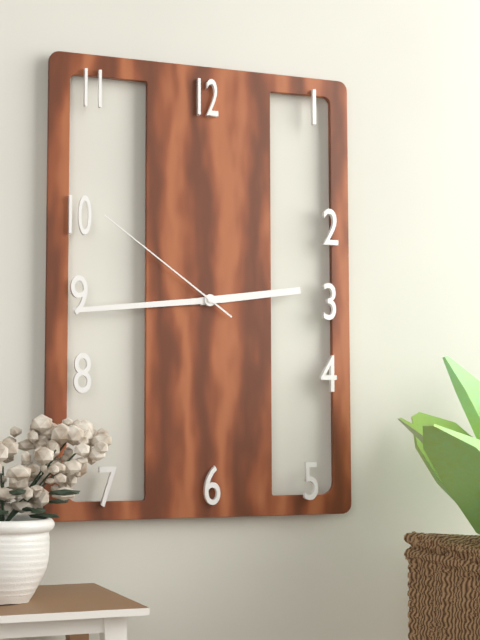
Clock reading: 2h44m51s
